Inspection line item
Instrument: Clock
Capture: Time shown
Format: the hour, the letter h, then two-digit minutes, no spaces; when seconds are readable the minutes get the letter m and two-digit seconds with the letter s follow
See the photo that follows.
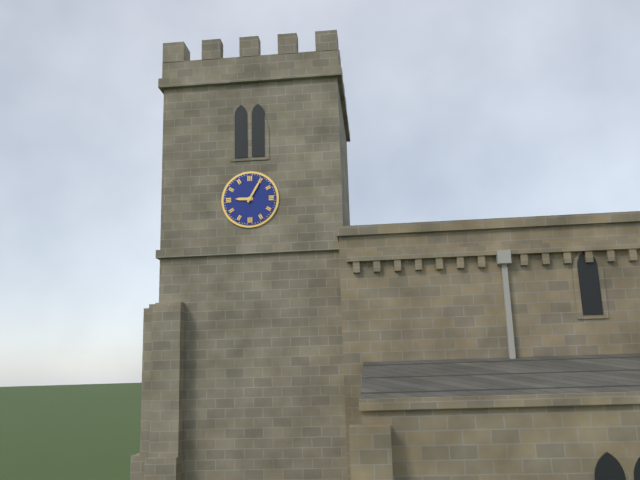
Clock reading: 9h05
